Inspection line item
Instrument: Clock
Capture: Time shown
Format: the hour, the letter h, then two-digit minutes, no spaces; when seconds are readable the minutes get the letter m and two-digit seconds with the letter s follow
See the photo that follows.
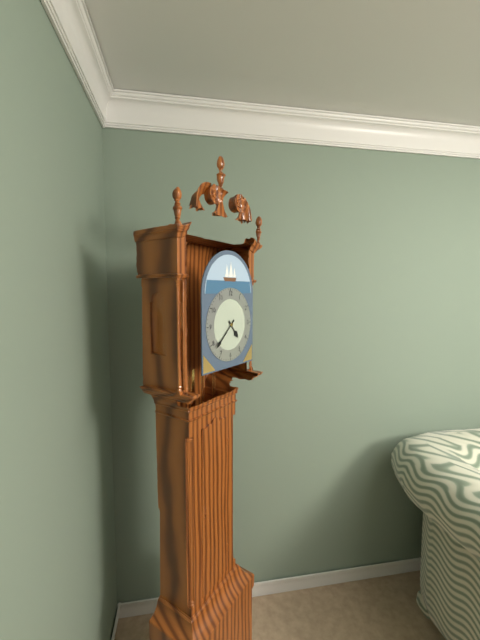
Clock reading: 4h38
